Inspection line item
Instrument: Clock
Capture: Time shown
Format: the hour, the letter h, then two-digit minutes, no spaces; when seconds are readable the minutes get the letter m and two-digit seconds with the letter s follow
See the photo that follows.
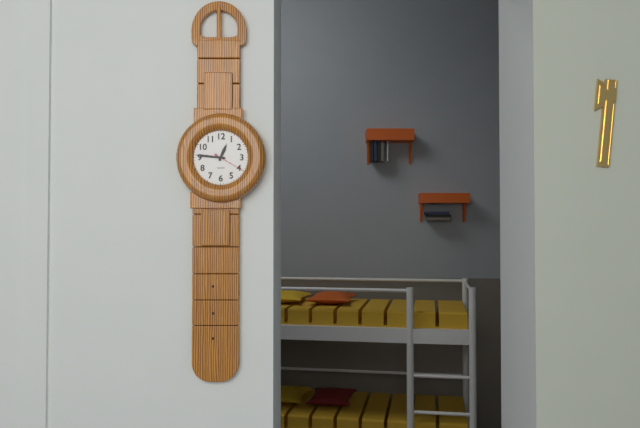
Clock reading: 12h46
